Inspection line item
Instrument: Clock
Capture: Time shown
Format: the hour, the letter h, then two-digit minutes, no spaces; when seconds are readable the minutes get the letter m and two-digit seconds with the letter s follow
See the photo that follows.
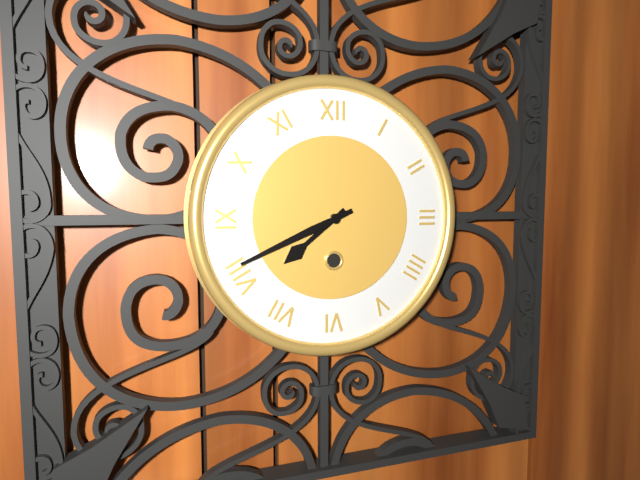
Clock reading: 7h41
